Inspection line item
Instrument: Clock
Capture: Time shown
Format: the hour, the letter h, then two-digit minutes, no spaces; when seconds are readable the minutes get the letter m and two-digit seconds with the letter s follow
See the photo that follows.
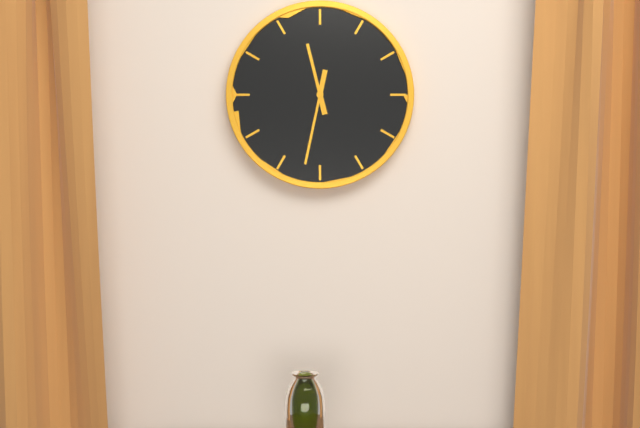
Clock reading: 11h32
